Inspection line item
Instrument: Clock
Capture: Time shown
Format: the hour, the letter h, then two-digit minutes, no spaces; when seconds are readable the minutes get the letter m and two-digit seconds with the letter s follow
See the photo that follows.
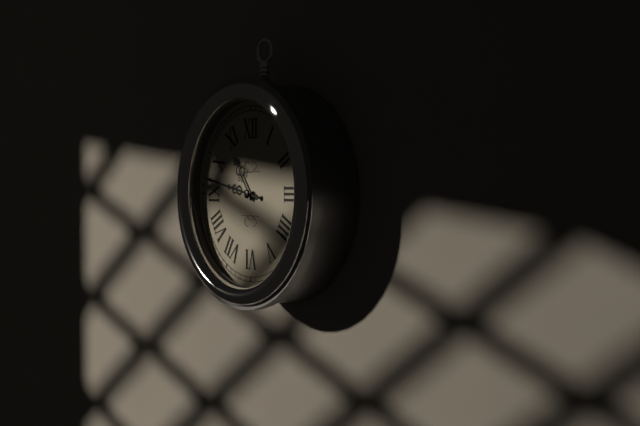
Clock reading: 10h47
